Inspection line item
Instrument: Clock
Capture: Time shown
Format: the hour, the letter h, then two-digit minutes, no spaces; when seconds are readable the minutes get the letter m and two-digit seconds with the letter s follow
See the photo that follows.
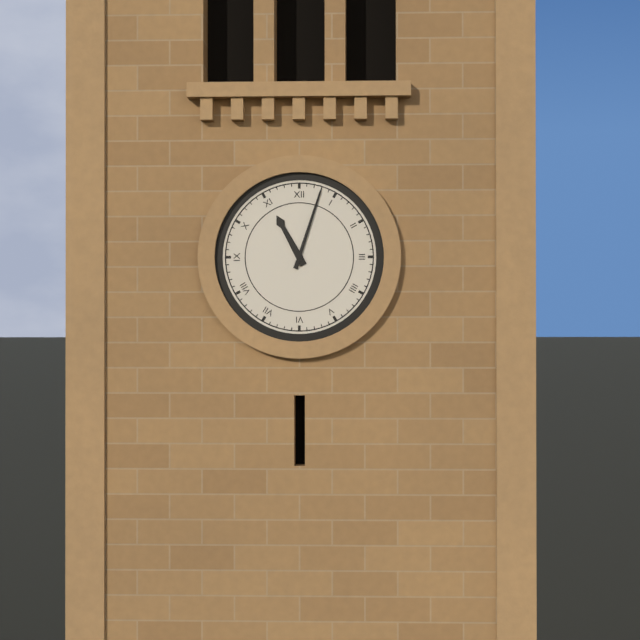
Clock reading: 11h03
